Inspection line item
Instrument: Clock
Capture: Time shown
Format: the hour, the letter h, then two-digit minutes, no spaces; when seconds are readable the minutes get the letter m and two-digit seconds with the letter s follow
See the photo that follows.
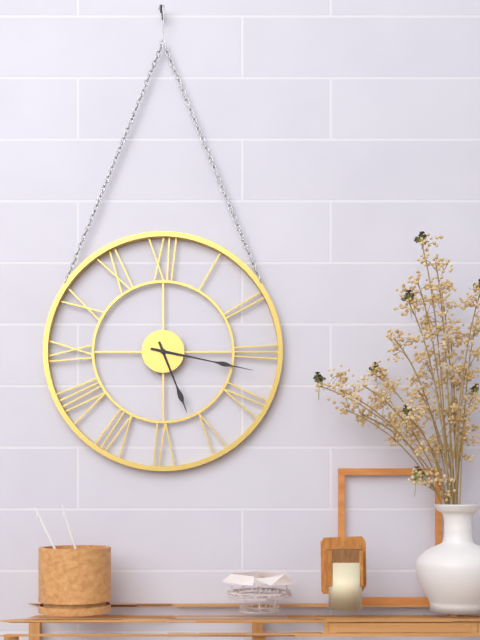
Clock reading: 5h17
